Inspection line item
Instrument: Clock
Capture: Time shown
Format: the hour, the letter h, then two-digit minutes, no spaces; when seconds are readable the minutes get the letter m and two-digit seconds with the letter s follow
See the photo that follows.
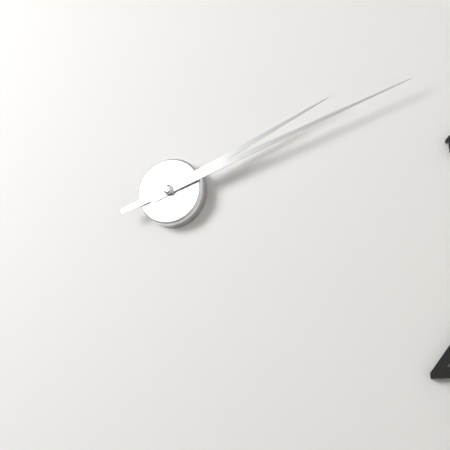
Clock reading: 2h12
